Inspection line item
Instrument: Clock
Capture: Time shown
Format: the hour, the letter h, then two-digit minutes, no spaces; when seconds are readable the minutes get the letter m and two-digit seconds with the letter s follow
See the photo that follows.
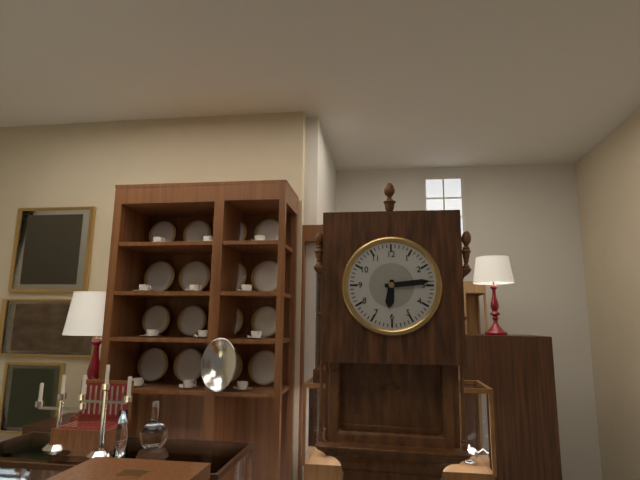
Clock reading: 6h14
